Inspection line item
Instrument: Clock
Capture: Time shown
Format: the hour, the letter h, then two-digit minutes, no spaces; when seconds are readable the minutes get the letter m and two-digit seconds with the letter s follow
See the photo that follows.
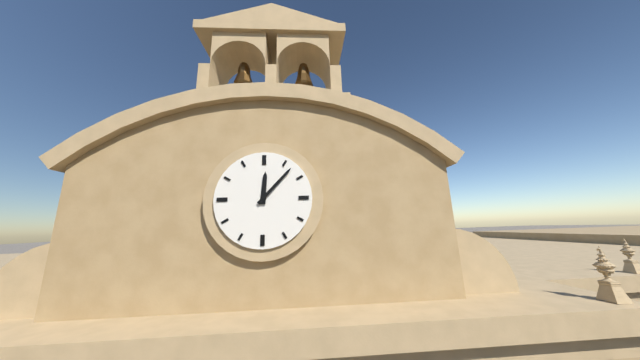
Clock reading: 12h07
